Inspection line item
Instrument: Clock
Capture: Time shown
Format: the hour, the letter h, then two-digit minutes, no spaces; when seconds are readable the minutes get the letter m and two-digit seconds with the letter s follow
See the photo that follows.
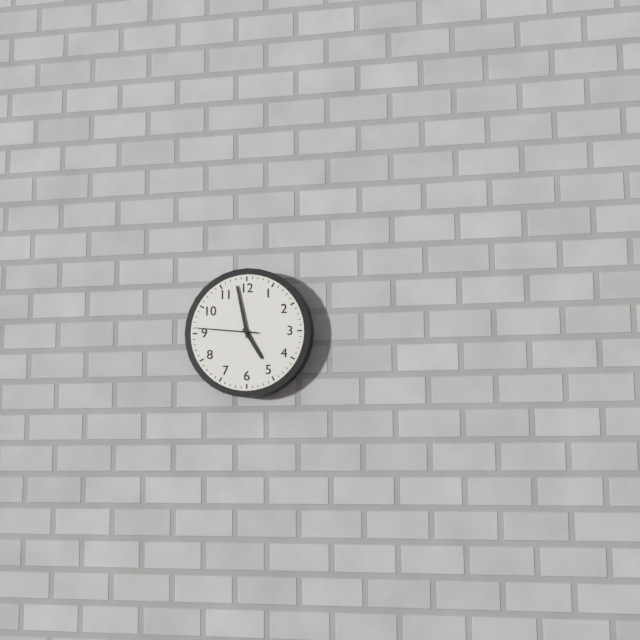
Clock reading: 4h58m46s
